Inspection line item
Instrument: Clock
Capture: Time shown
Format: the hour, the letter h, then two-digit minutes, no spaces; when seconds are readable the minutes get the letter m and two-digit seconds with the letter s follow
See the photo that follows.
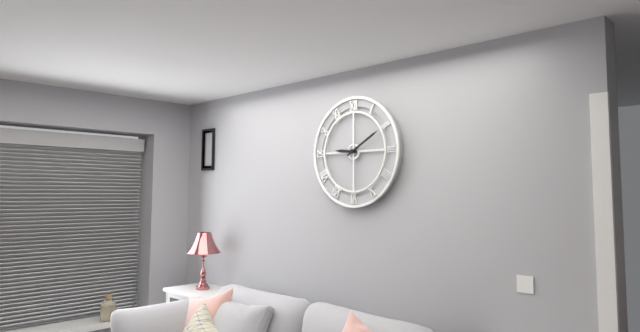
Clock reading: 9h10
